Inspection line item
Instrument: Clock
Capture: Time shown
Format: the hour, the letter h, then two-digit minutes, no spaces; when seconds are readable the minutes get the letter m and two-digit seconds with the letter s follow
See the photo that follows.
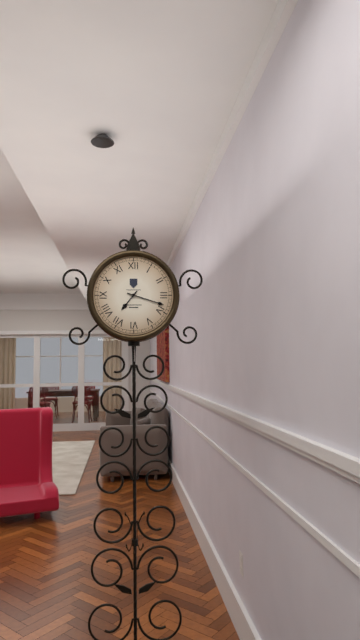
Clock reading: 7h18
